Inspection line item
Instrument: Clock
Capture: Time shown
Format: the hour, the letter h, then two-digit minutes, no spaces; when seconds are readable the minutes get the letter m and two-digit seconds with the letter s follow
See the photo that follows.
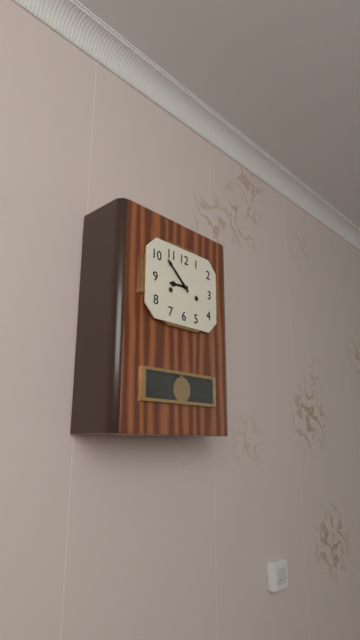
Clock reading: 8h52
